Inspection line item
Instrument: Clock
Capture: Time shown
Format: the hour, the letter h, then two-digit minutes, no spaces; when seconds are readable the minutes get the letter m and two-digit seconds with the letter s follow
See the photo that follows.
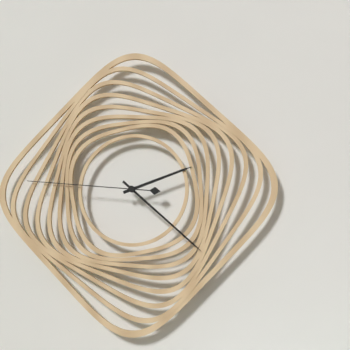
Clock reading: 2h22m46s
